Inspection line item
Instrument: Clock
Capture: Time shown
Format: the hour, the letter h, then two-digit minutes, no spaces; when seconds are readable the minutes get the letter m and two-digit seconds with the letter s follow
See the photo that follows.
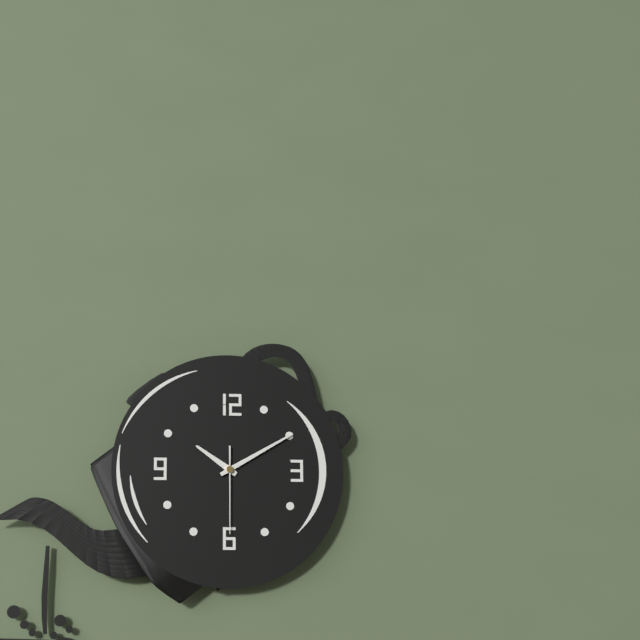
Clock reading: 10h10m30s
